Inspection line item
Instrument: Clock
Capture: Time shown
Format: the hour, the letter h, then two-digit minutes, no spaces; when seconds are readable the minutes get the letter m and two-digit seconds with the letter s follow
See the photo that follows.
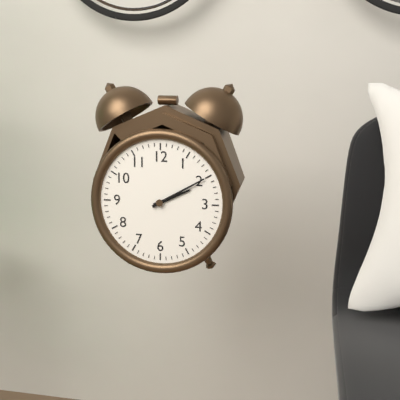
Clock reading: 2h10
